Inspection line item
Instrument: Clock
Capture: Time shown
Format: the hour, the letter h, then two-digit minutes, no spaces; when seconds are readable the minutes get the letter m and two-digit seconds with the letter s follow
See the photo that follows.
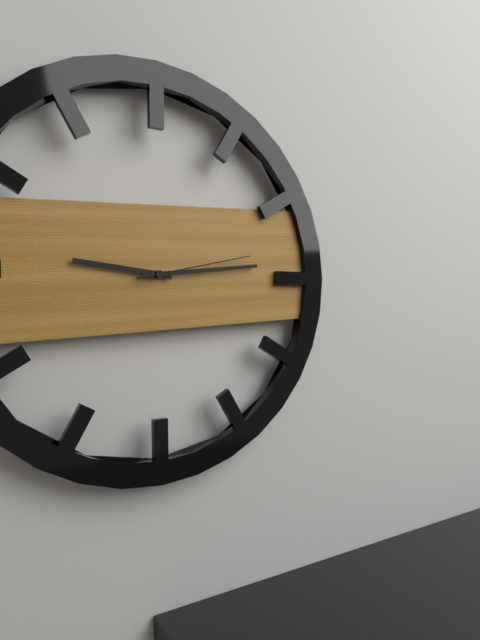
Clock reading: 9h14m13s
